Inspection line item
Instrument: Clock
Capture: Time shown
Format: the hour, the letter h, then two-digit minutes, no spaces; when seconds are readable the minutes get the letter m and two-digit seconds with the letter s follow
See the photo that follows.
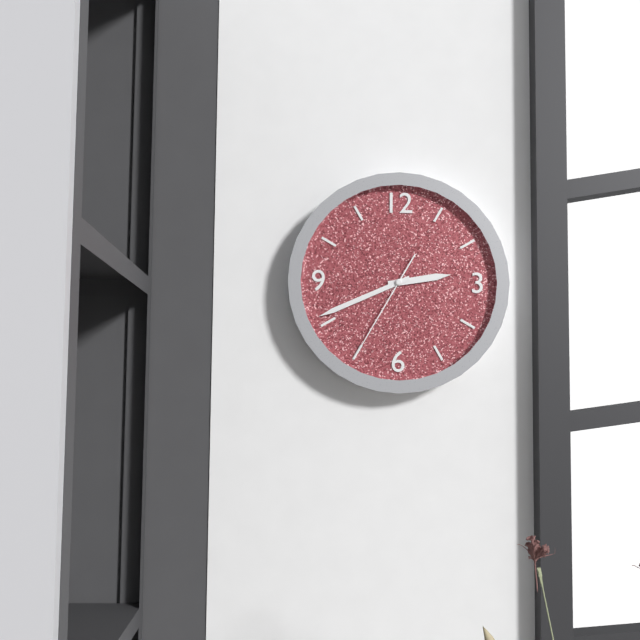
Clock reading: 2h41m35s
